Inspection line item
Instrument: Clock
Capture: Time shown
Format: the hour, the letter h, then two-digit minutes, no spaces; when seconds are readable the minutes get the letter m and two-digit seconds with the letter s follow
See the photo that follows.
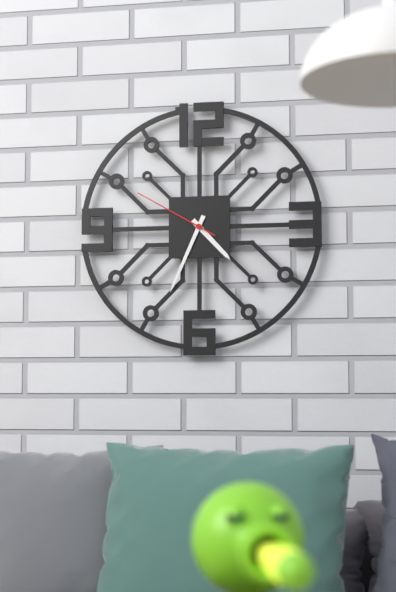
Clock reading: 4h34m50s
